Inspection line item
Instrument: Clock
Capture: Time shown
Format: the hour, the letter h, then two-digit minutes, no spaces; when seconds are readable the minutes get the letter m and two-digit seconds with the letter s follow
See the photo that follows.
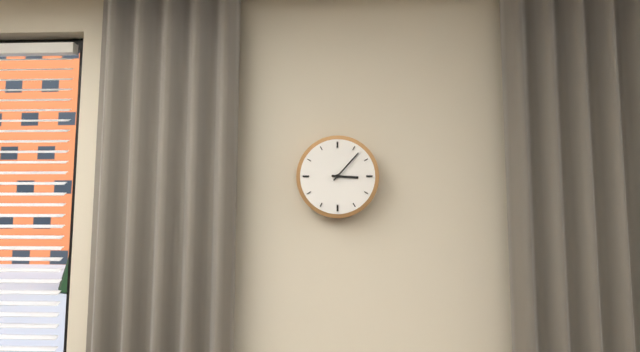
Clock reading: 3h07
